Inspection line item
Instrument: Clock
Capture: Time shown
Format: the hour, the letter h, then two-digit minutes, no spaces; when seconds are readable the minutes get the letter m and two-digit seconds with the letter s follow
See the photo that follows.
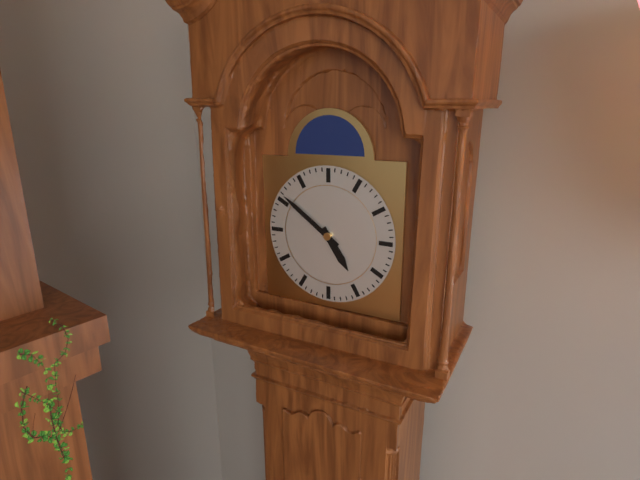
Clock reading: 4h51
